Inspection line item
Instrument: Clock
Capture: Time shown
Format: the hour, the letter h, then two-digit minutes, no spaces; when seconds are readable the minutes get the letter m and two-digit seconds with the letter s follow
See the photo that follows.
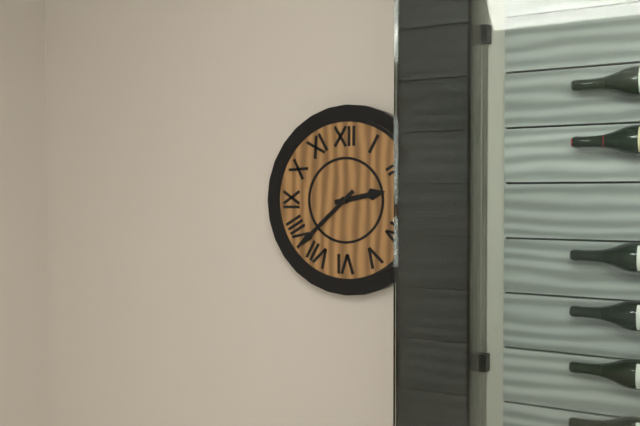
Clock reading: 2h38
